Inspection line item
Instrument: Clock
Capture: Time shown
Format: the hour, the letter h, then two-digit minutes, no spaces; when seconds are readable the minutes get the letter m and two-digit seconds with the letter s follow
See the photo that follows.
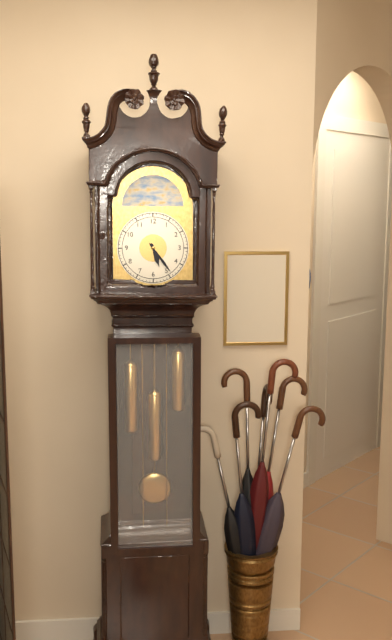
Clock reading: 5h24
